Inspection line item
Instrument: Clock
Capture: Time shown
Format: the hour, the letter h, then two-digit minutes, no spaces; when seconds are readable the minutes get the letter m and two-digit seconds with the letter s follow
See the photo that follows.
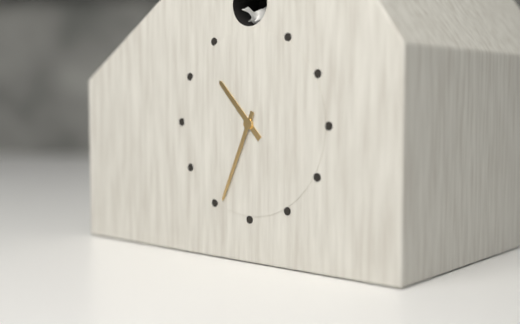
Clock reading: 10h34
